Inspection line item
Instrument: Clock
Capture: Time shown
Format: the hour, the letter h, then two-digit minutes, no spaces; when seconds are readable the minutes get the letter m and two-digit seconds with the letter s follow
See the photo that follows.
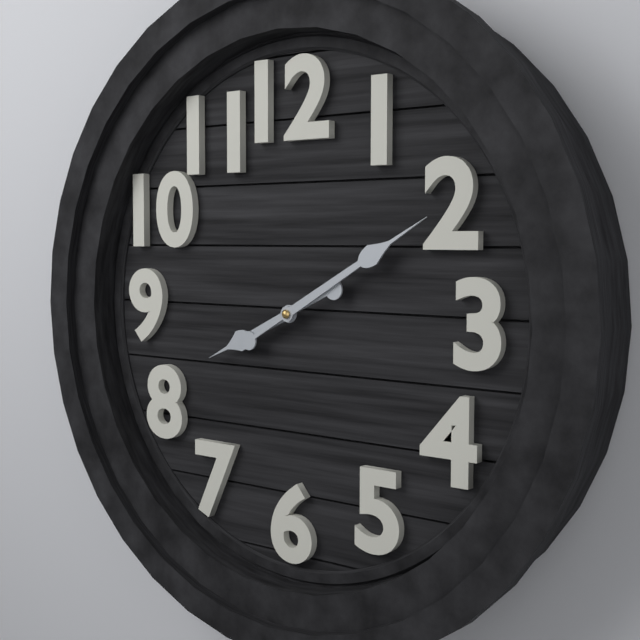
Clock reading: 8h10
